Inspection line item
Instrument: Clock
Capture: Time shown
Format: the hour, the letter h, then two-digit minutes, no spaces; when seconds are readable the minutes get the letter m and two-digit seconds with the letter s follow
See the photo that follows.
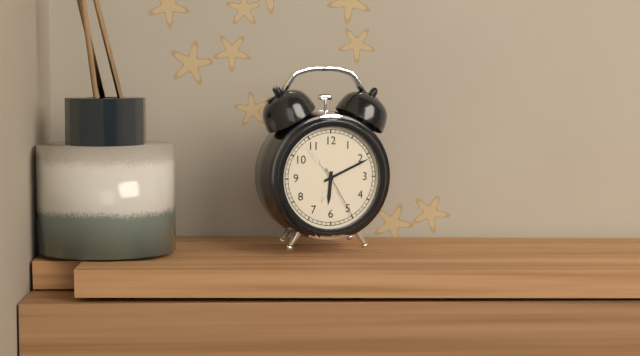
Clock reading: 6h11m25s
